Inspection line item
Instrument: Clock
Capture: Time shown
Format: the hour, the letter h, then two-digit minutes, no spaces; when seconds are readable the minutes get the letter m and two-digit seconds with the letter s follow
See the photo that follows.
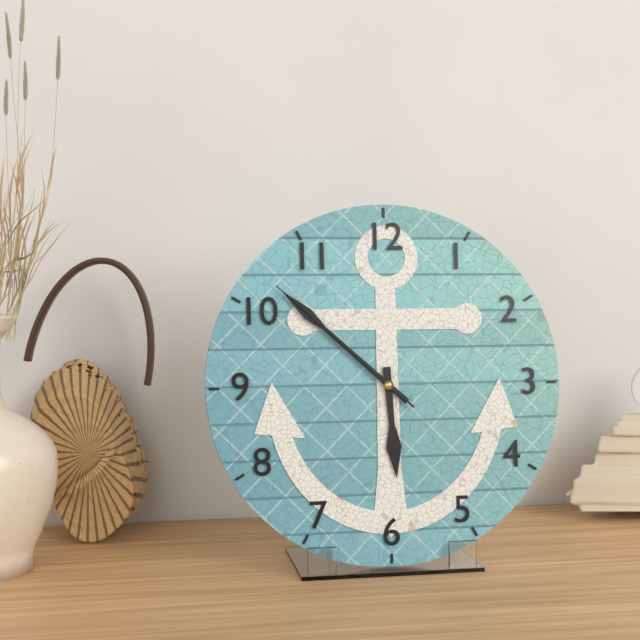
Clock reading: 5h52m52s
